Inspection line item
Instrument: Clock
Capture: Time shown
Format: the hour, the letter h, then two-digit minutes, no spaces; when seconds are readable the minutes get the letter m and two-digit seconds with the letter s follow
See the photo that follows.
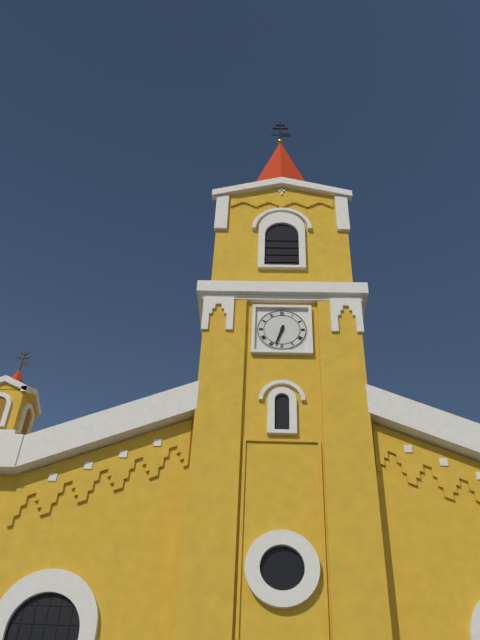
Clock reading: 6h33
